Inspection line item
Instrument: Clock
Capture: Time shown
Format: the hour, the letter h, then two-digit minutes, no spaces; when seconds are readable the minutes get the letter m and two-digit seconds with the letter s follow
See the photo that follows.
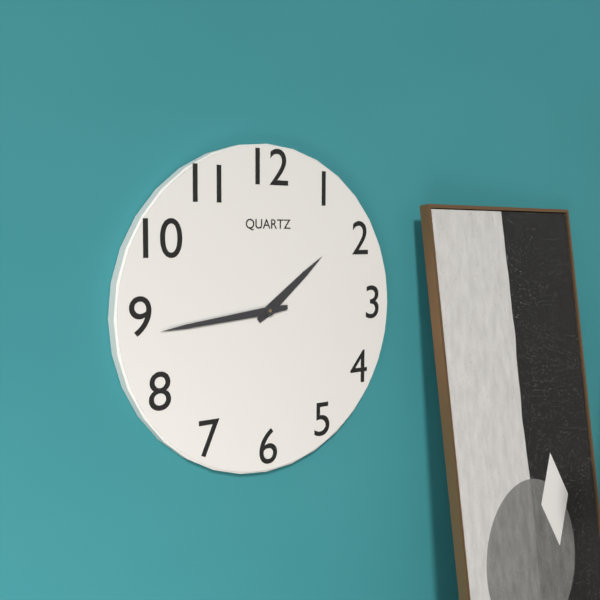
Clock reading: 1h44
